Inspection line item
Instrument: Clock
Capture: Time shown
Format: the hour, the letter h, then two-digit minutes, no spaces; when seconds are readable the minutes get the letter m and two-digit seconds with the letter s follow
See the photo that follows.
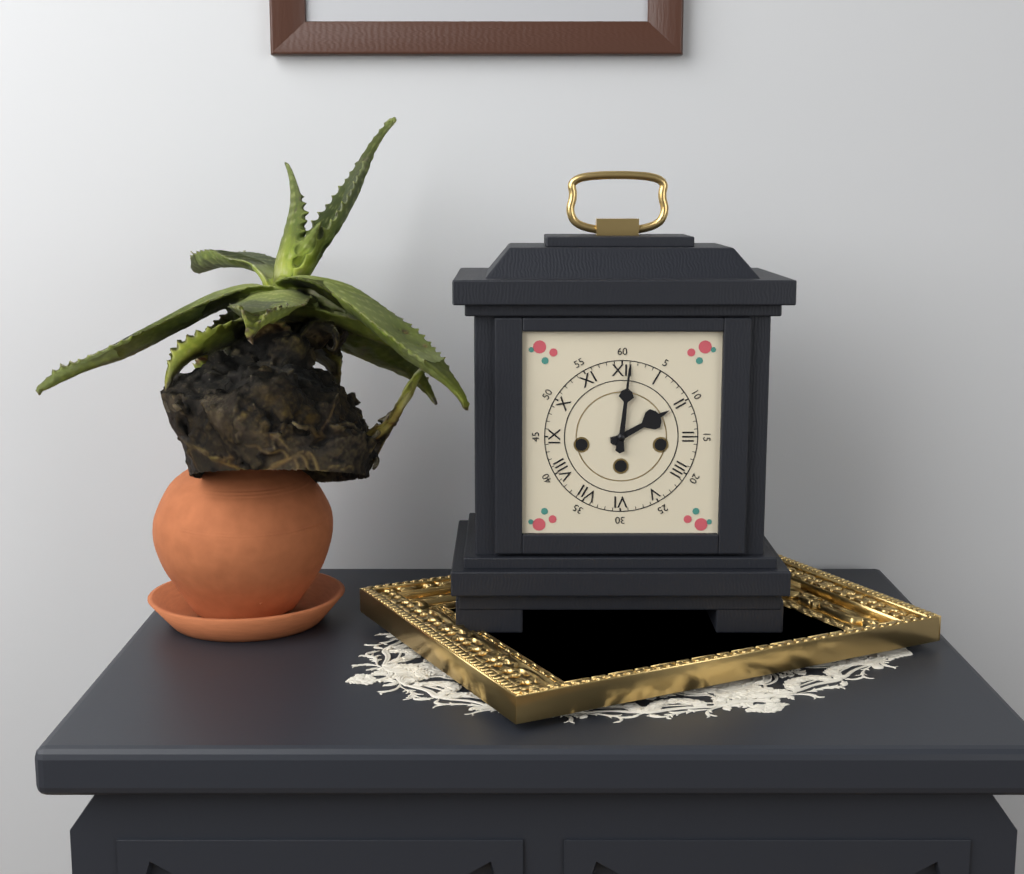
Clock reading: 2h01
